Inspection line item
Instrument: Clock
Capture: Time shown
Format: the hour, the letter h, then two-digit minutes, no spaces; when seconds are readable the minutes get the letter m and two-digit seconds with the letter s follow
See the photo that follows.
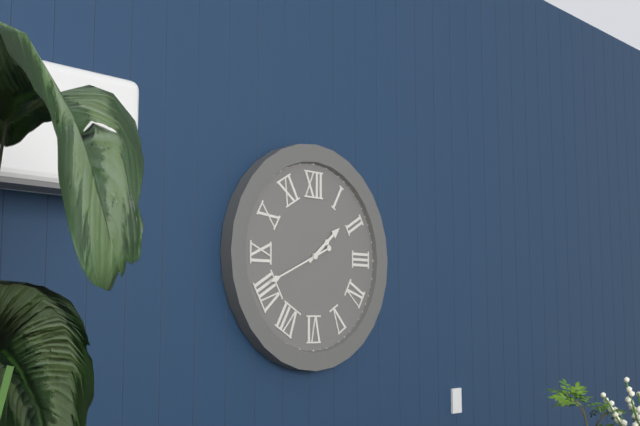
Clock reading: 1h41
